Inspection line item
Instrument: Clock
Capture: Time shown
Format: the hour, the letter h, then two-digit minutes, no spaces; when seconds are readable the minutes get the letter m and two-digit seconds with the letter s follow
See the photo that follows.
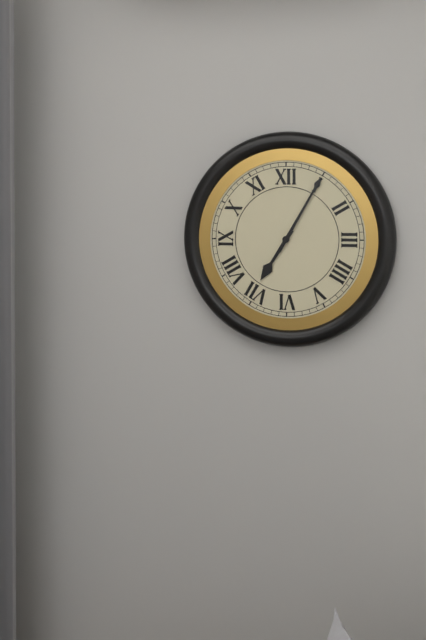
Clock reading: 7h05
